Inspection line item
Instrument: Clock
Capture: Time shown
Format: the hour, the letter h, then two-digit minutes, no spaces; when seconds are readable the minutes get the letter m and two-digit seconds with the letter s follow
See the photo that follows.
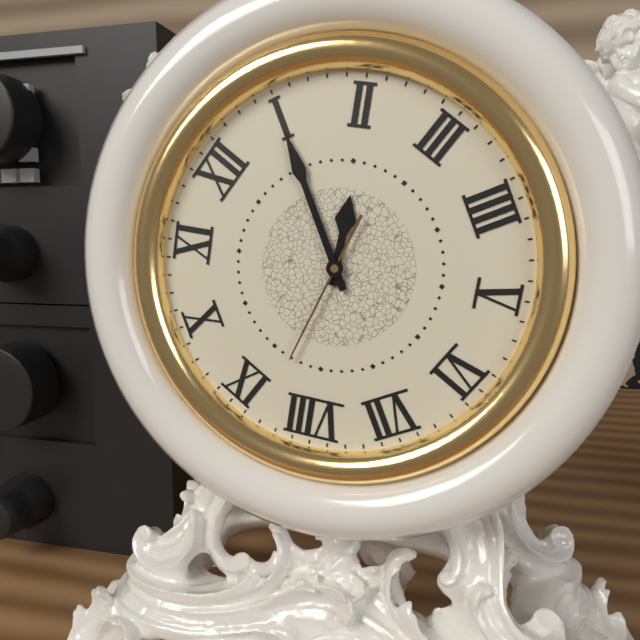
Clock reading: 2h05m43s
